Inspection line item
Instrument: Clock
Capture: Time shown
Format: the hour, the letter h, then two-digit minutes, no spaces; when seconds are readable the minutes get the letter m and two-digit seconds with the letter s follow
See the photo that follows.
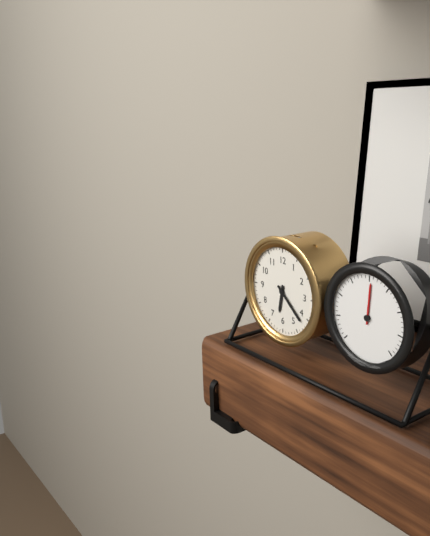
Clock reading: 6h22
